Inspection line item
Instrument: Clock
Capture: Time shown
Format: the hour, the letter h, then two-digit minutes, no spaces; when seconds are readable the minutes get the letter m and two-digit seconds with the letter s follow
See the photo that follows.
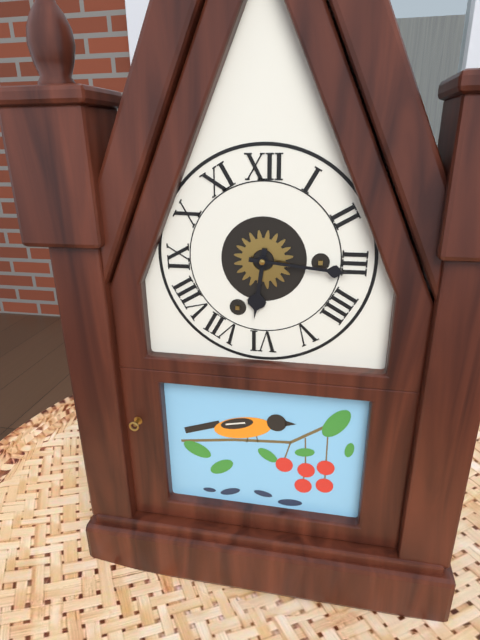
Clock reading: 6h16
